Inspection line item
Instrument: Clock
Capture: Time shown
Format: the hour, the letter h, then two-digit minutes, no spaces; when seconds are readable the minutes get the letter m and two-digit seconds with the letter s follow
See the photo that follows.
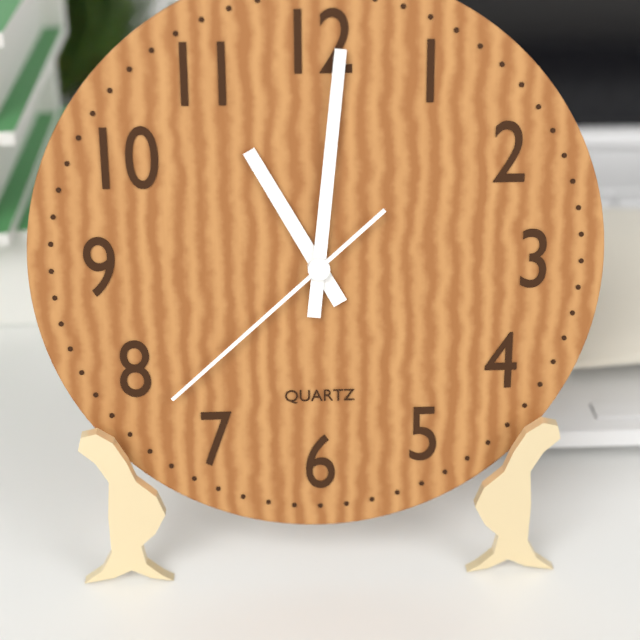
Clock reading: 11h01m38s
